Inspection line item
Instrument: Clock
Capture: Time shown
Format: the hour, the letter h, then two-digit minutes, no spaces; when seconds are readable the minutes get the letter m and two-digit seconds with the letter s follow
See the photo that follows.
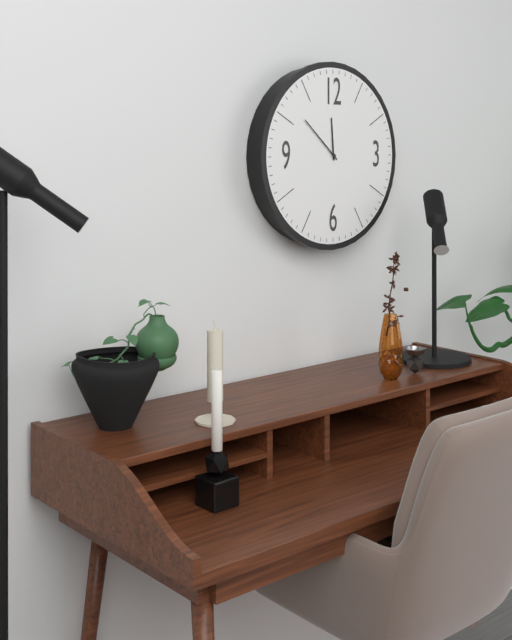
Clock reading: 11h52
